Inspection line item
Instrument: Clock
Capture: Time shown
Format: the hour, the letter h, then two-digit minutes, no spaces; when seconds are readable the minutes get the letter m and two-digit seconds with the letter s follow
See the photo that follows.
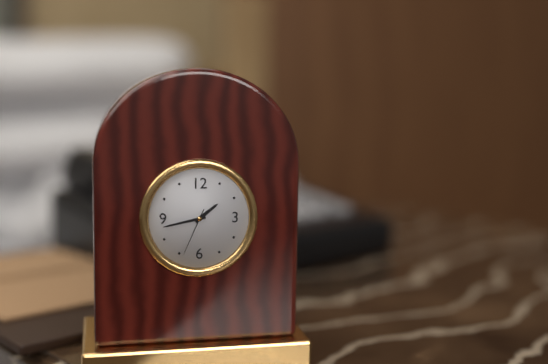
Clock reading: 1h43m34s
